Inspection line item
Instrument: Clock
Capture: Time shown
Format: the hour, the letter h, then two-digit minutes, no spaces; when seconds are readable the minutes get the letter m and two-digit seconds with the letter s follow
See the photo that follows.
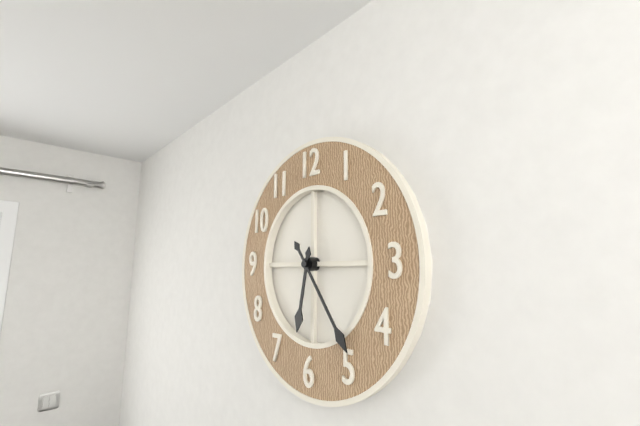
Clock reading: 6h24
